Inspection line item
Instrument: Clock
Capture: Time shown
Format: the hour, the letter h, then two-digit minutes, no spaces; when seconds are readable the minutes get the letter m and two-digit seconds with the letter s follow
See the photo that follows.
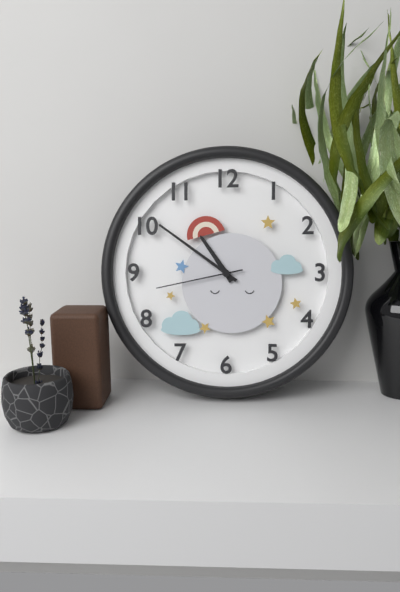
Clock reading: 10h51m43s
